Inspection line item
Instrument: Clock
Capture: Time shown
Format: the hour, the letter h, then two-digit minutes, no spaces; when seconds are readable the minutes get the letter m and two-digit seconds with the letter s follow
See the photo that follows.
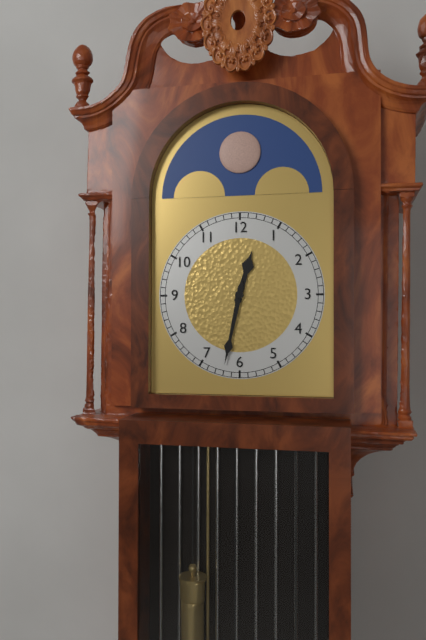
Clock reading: 12h32
